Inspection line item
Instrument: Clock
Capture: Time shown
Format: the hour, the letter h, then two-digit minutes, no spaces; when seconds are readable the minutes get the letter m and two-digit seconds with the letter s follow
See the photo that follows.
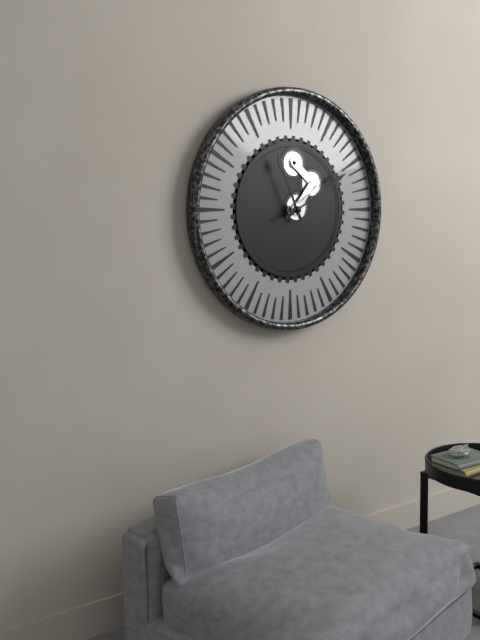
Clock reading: 11h10
